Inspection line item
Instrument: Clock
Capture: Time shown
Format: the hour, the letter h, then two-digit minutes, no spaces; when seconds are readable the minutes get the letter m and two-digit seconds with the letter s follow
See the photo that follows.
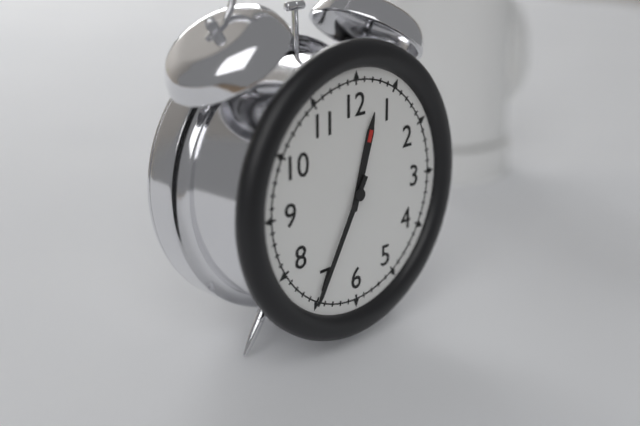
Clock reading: 12h35
